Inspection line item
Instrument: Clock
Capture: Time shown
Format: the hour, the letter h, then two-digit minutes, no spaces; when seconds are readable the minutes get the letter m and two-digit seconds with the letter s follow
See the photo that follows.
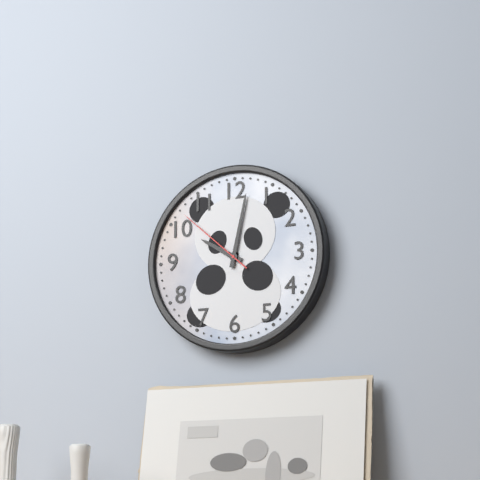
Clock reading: 10h02m52s
